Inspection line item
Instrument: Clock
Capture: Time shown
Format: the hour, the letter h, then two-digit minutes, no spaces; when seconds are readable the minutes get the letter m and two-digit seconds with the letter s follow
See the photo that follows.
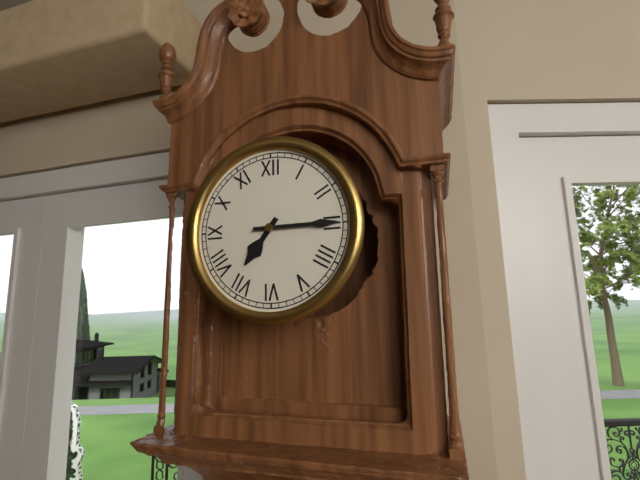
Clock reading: 7h15
